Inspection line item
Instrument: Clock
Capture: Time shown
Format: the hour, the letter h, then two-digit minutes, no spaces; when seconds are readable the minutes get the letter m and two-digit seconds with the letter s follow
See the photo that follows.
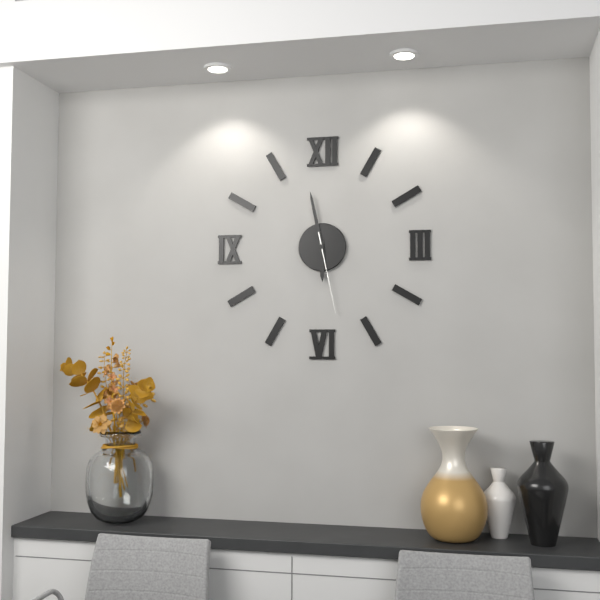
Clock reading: 5h58m28s
